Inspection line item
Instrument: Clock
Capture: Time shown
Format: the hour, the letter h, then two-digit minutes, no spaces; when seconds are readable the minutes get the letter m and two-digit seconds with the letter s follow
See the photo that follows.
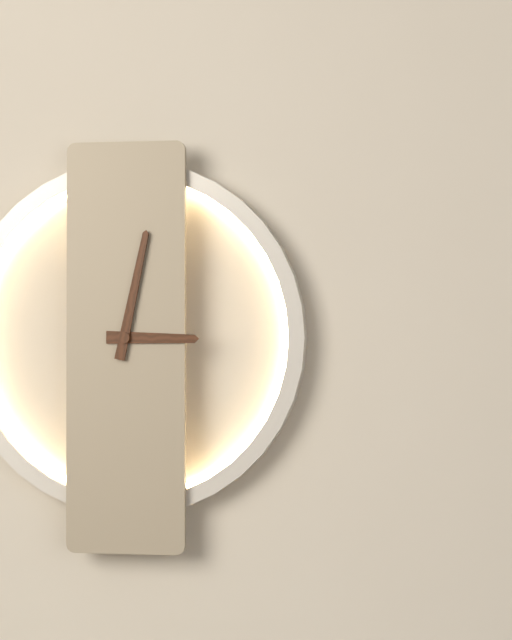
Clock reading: 3h02
